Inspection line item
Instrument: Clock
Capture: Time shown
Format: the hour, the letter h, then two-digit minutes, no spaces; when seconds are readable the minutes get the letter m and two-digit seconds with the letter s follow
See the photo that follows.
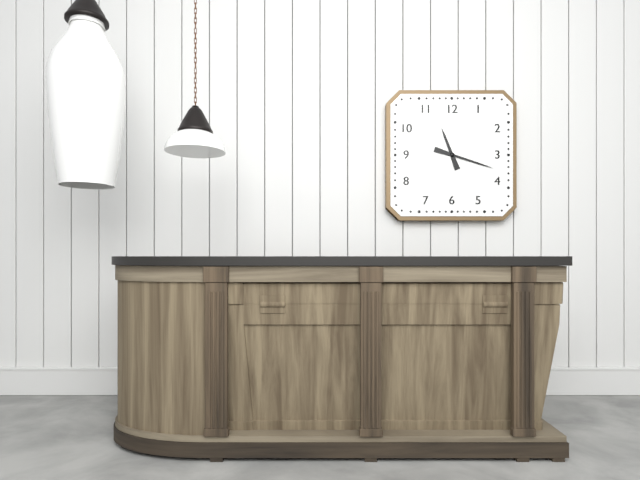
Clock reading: 11h18
